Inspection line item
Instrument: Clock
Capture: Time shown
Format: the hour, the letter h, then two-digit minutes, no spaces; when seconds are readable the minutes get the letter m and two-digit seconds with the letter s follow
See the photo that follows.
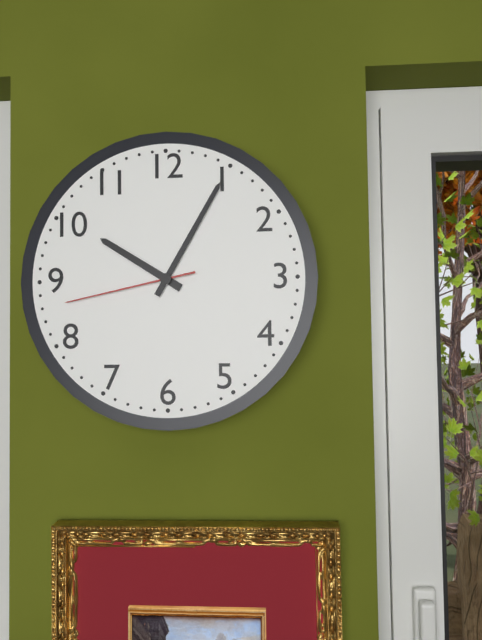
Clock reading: 10h05m43s
